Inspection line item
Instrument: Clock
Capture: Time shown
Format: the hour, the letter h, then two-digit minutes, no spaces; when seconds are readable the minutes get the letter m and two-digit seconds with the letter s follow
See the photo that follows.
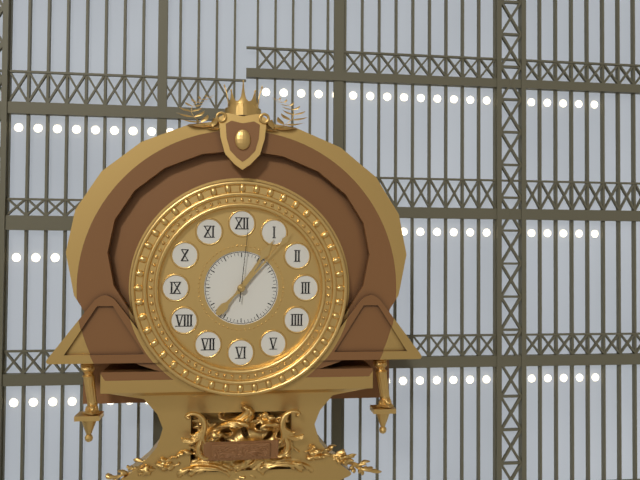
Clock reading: 1h07m01s
